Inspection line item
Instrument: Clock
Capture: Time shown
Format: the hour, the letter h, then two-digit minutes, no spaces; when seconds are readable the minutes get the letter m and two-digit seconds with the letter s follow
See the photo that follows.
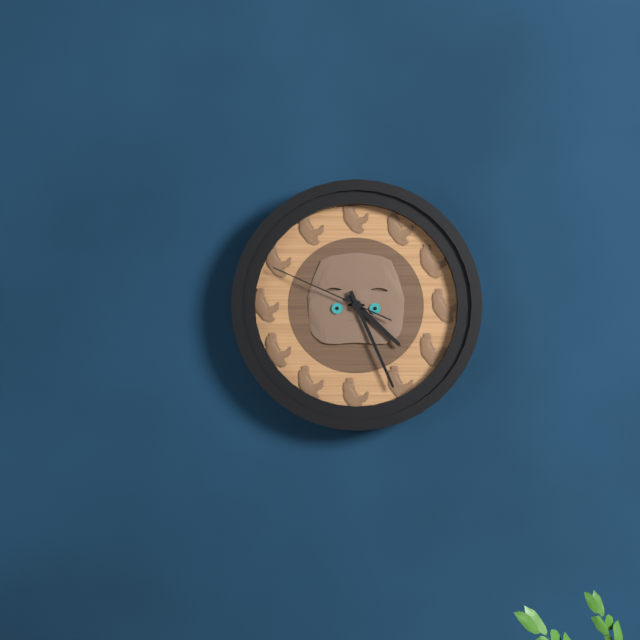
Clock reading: 4h26m49s
